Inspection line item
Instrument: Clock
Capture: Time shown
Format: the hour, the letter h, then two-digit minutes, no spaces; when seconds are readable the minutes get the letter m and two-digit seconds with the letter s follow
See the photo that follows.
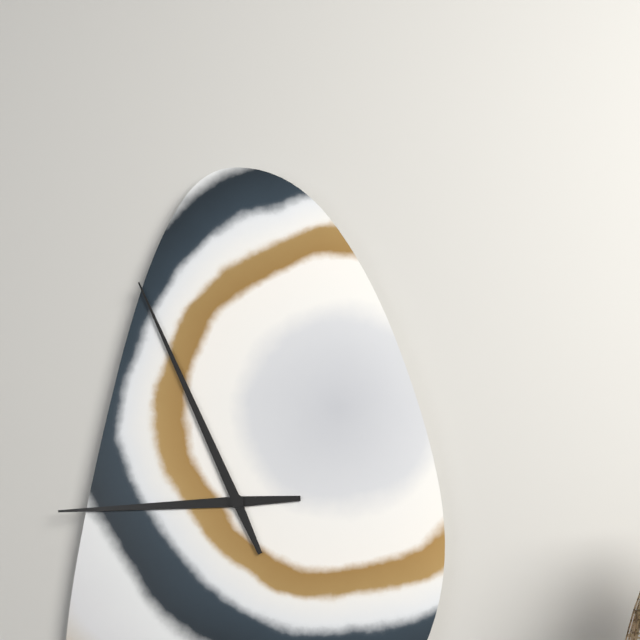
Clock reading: 8h56
